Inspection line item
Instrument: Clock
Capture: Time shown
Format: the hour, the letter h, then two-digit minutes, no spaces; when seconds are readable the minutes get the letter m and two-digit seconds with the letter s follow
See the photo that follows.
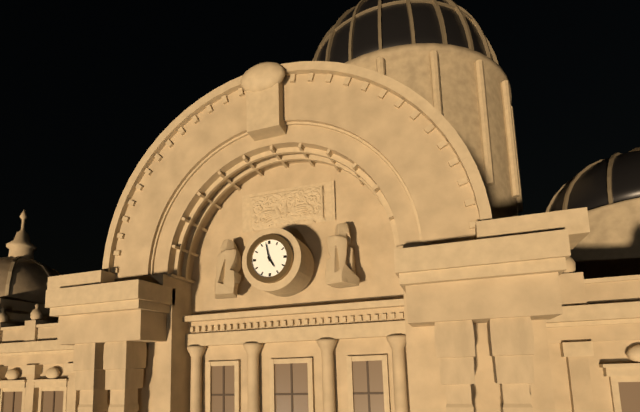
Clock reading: 4h58
